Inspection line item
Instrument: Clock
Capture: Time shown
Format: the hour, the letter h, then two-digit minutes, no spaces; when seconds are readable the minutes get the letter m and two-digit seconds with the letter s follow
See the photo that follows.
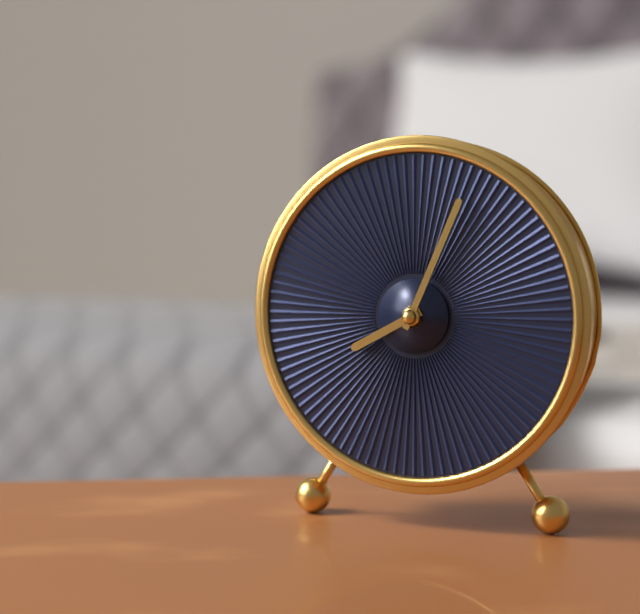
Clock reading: 8h04
